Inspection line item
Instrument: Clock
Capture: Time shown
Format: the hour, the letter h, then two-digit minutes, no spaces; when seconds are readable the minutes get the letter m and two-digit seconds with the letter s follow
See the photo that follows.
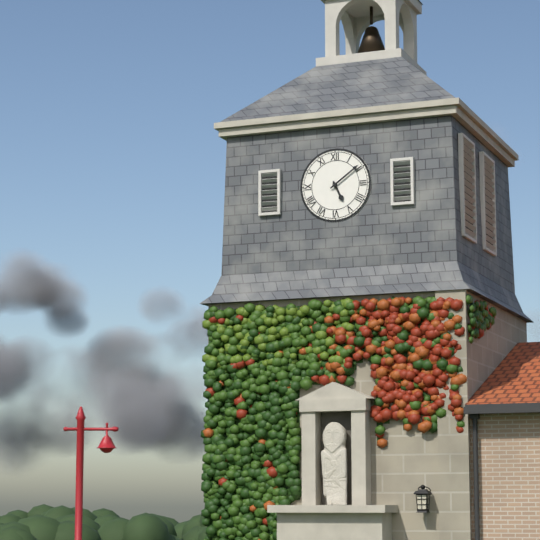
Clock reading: 5h09
